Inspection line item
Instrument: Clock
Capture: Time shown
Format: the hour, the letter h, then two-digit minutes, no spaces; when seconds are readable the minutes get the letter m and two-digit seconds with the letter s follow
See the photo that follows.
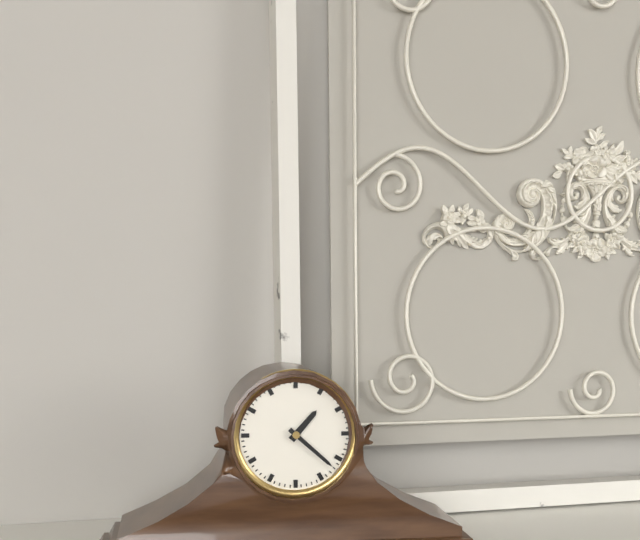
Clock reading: 1h22
